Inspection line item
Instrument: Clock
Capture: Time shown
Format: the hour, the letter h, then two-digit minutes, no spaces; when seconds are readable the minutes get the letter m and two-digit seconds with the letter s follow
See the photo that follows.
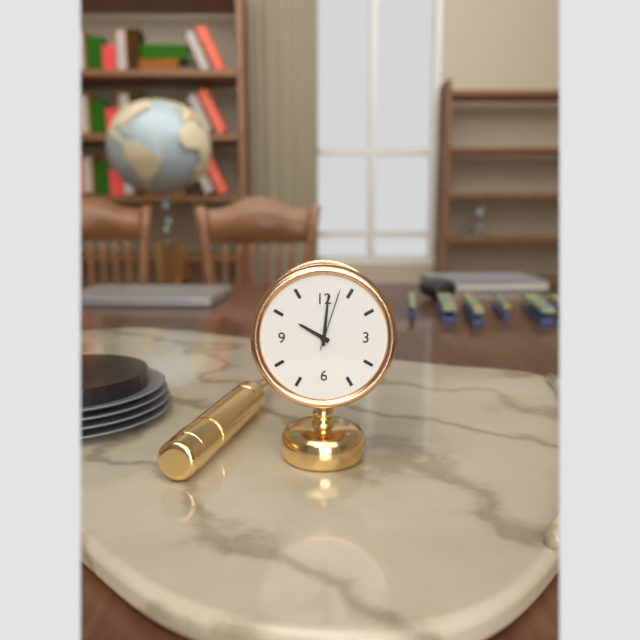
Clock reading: 10h01m03s
